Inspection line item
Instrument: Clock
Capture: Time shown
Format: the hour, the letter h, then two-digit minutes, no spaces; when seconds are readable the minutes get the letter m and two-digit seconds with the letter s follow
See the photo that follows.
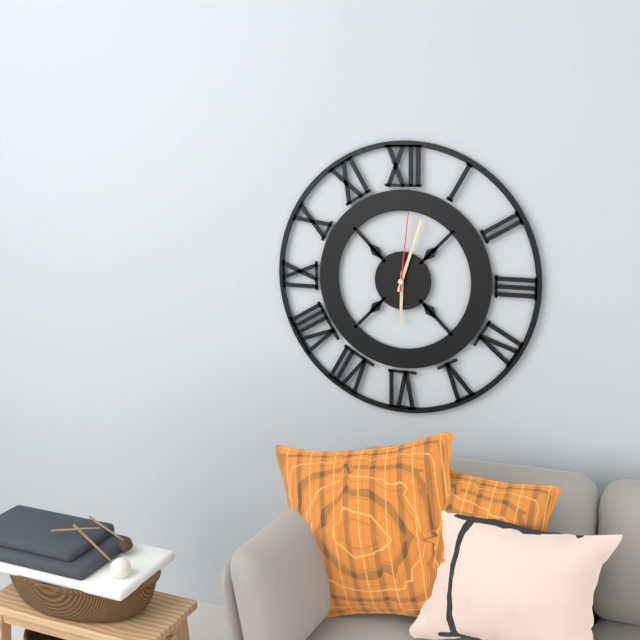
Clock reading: 6h03m01s
